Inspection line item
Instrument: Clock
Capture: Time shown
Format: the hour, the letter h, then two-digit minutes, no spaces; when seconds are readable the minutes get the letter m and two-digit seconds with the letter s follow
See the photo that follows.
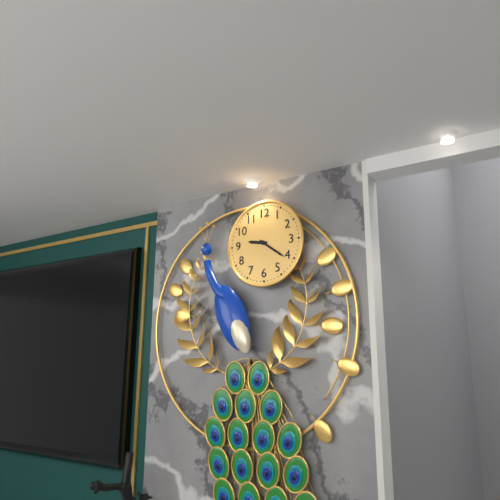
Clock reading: 9h21
